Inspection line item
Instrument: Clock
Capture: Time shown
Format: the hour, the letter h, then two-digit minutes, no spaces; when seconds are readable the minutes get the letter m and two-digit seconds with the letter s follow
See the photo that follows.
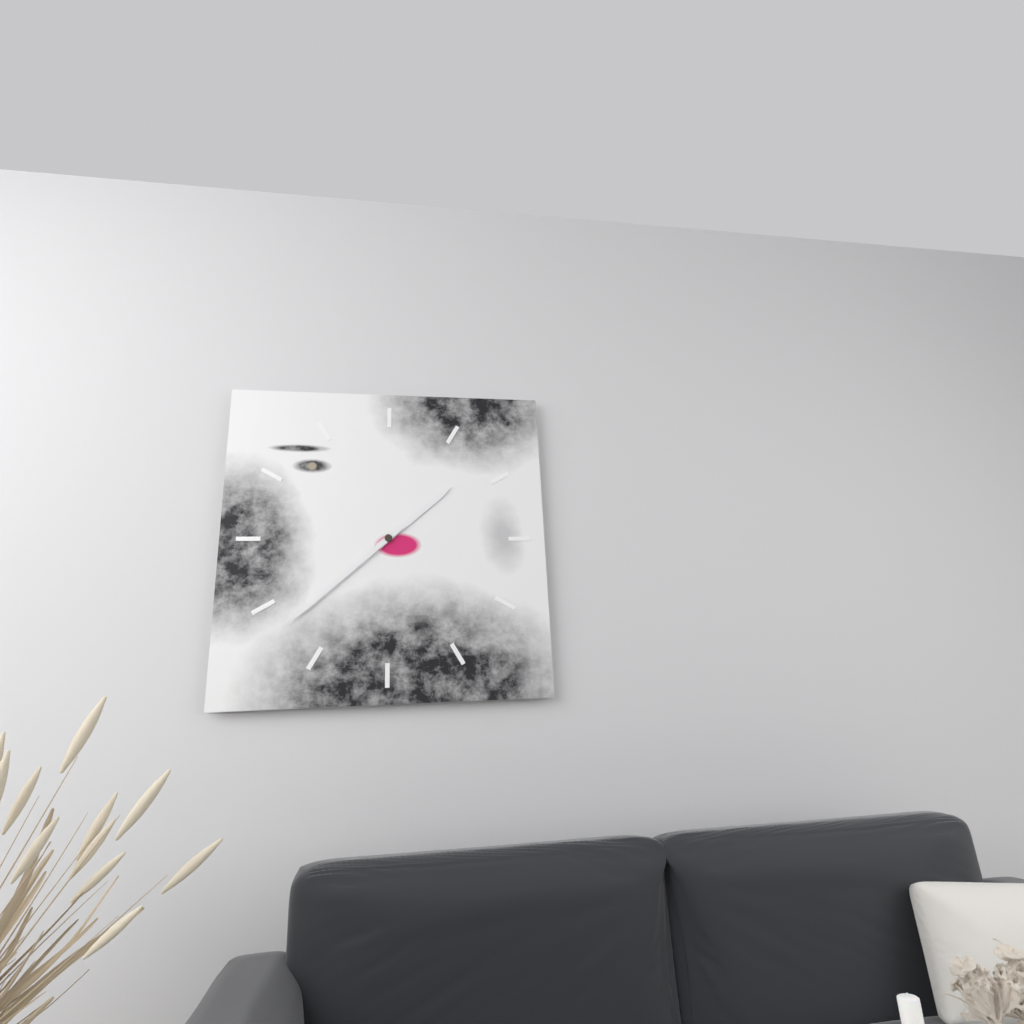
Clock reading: 1h38
